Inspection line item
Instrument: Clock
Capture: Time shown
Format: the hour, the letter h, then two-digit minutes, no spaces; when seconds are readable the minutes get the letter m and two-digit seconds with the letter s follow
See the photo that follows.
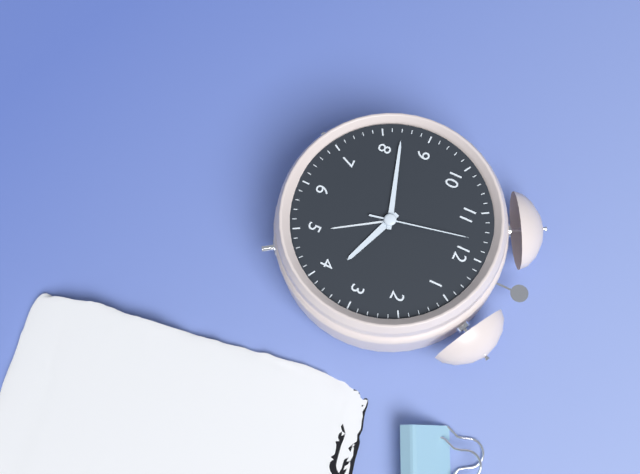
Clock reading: 3h42m58s
